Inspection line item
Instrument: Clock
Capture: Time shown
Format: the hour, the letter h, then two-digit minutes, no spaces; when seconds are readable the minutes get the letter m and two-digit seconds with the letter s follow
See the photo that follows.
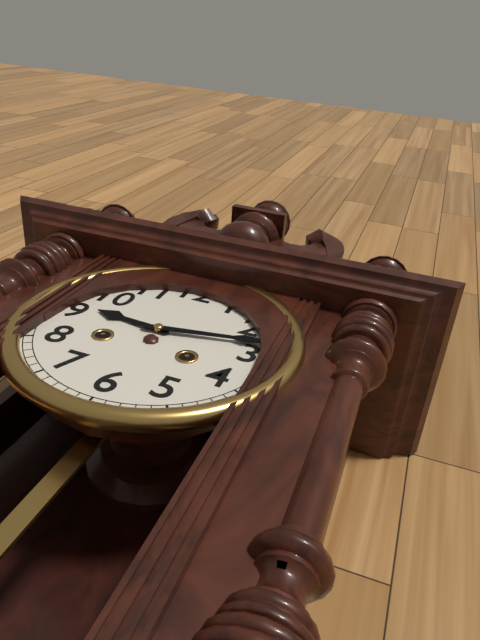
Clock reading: 9h13
